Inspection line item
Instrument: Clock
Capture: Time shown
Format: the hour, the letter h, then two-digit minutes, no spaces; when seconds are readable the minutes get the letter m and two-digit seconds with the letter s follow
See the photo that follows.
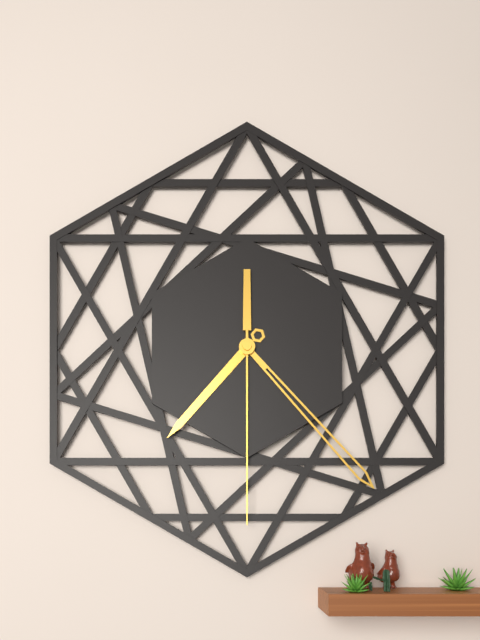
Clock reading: 7h23m30s
